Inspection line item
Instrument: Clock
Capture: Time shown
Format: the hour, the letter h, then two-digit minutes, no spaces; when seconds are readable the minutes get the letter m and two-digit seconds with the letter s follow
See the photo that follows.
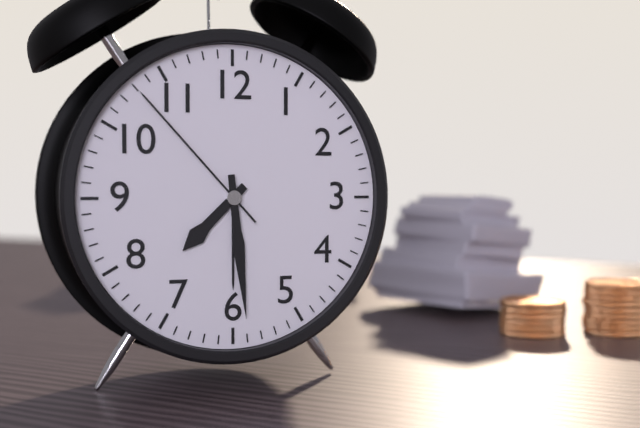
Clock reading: 7h29m53s
